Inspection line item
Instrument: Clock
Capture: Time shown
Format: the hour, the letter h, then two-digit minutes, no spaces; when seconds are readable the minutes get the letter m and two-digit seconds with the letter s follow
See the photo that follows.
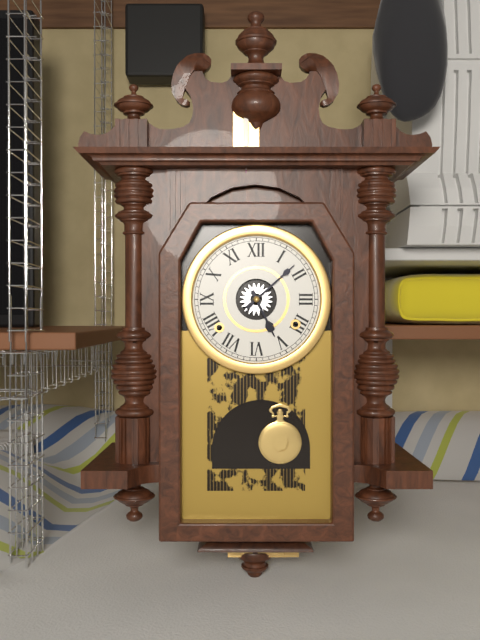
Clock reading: 5h08
